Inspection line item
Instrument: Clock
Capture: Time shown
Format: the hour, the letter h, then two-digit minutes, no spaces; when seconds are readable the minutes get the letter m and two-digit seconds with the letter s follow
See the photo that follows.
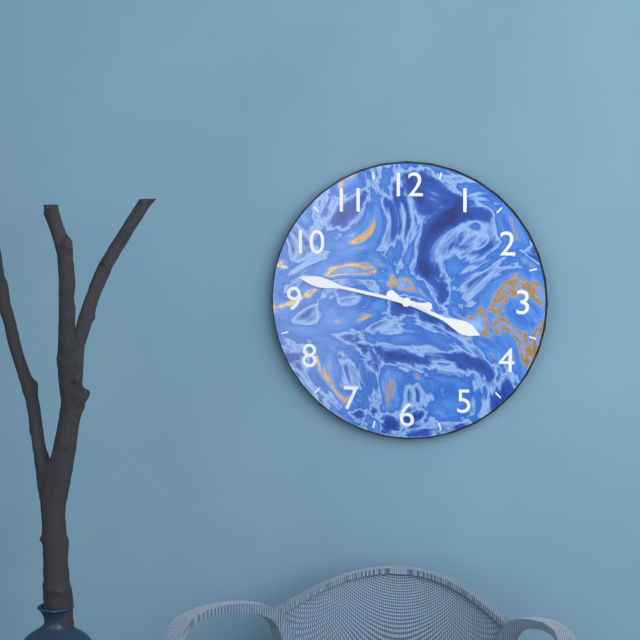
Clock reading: 3h47
